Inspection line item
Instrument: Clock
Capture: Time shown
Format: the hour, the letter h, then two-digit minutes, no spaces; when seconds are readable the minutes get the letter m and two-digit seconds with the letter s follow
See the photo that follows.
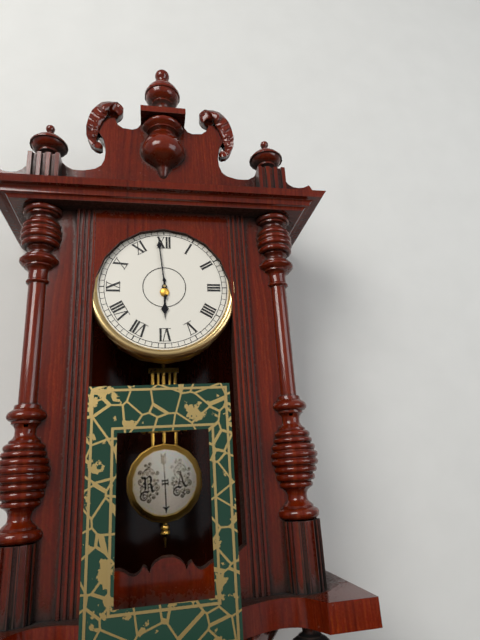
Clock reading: 5h59
